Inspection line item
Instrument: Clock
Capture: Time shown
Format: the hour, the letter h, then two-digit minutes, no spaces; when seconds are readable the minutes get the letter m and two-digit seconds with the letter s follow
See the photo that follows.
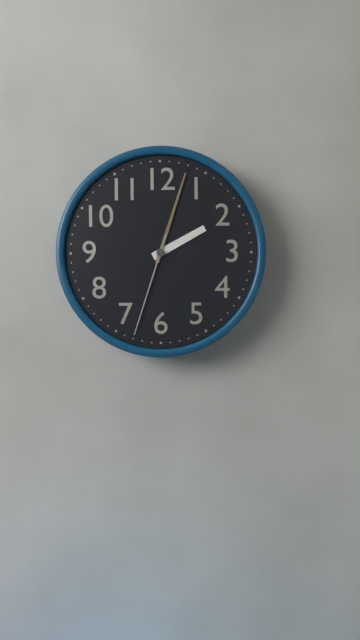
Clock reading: 2h03m33s
